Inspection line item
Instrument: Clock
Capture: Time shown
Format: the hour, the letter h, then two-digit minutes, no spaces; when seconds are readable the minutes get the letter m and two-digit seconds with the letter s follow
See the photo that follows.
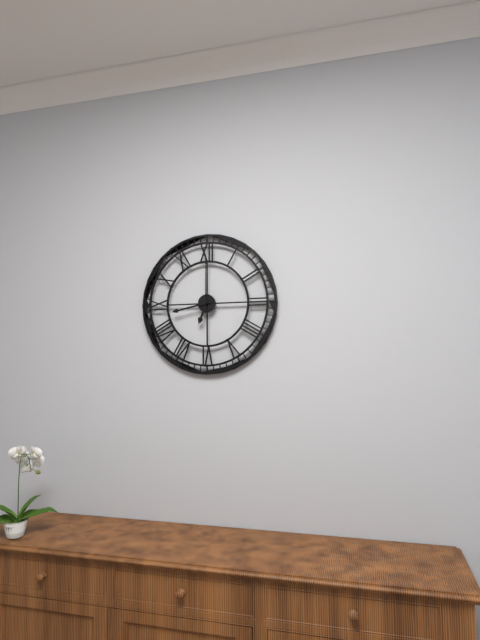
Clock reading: 6h43m00s
